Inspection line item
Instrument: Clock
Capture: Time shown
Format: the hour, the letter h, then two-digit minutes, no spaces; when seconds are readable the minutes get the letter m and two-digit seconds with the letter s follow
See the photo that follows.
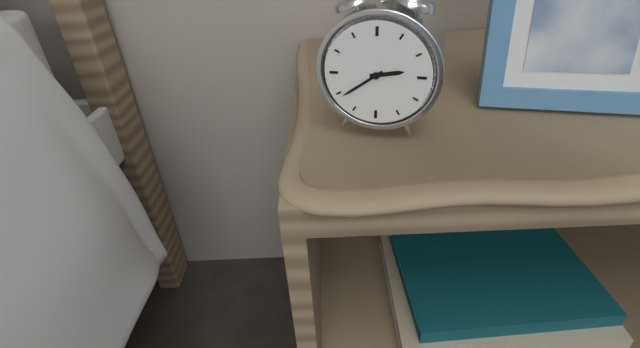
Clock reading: 2h39
